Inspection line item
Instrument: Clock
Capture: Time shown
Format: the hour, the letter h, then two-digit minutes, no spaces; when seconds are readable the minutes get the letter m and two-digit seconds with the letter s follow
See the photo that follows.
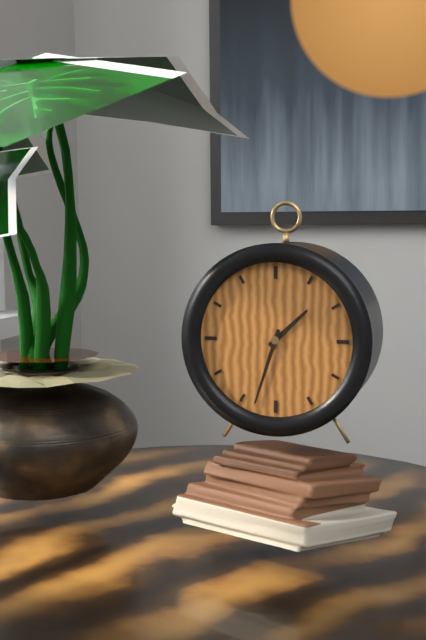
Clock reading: 1h33
